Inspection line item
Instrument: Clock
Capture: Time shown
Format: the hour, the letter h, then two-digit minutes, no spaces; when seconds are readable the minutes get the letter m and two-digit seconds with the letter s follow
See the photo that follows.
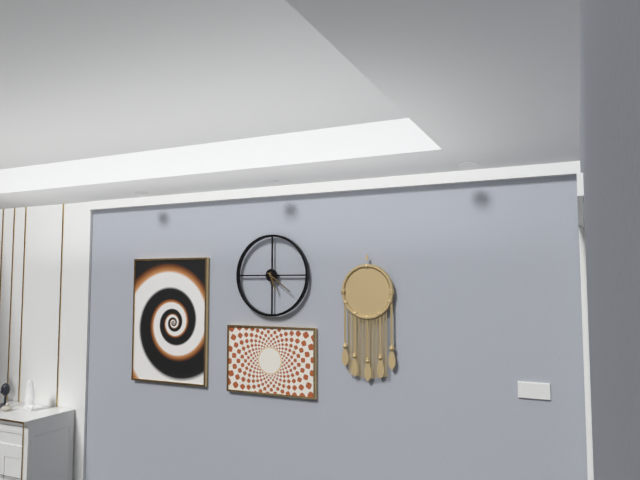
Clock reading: 5h21
